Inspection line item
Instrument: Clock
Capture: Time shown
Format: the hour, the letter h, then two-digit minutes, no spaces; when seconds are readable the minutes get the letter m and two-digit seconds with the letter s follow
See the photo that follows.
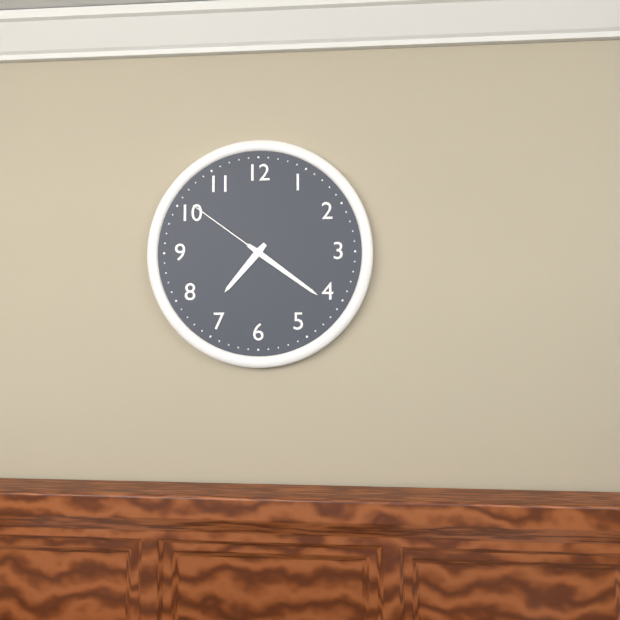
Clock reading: 7h21m51s
